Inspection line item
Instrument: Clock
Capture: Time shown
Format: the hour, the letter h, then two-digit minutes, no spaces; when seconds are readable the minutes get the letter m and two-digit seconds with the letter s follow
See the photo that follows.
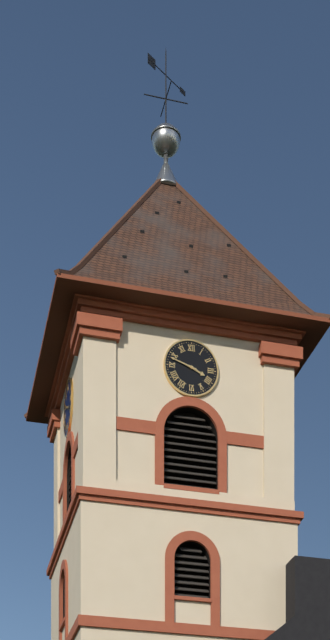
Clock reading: 3h48
